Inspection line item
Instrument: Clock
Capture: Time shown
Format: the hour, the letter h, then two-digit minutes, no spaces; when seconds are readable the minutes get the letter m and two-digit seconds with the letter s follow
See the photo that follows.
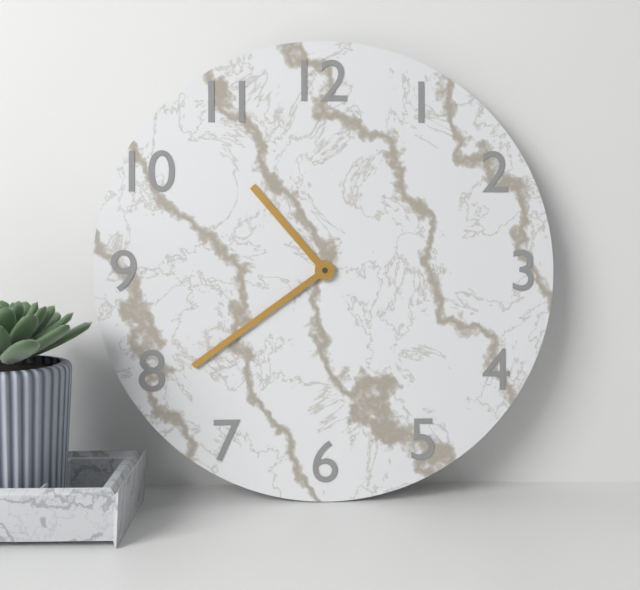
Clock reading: 10h39
